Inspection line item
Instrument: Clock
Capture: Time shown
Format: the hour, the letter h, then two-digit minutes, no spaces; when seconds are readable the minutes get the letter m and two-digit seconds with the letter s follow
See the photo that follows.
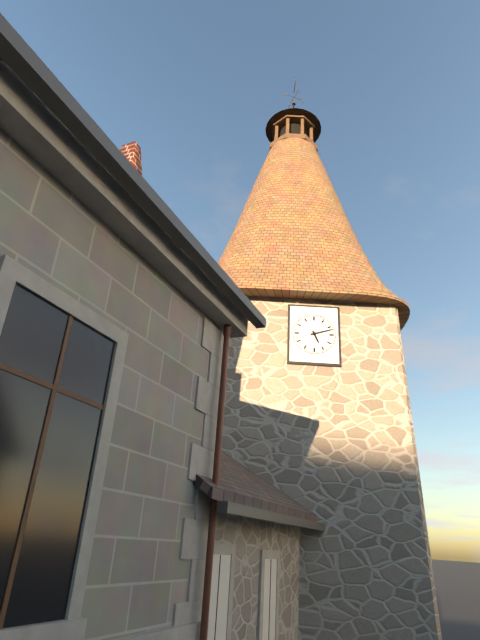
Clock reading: 5h12
